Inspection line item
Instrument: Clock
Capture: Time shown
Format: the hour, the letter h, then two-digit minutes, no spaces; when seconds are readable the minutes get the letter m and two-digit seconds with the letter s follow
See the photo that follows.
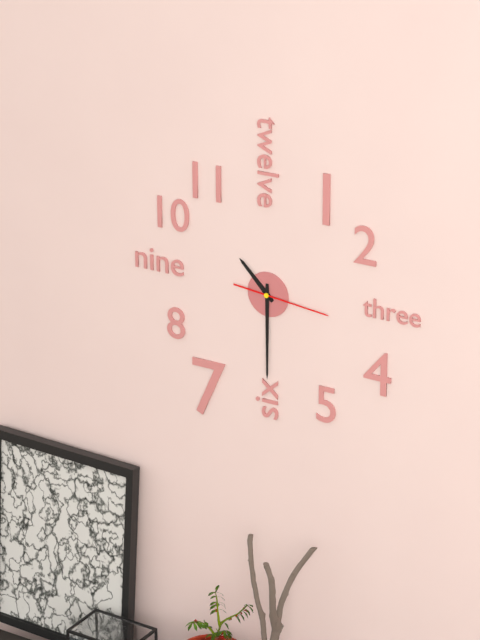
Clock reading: 10h30m16s
